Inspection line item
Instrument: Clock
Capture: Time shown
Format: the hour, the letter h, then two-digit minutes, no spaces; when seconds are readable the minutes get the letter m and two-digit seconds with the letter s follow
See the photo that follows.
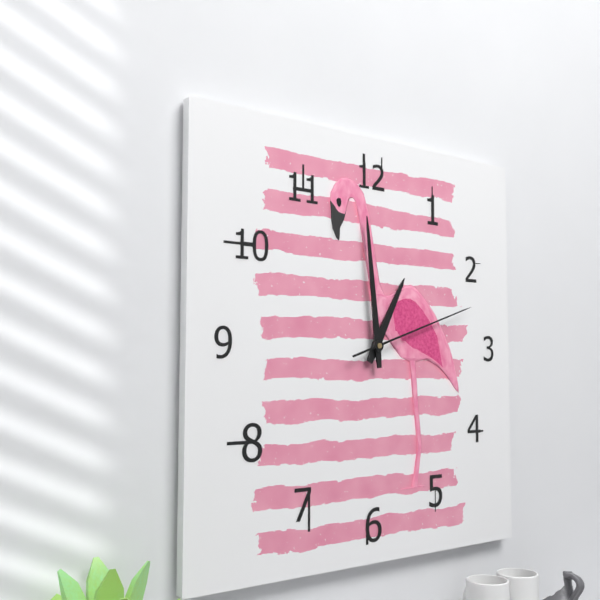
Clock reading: 12h59m12s
